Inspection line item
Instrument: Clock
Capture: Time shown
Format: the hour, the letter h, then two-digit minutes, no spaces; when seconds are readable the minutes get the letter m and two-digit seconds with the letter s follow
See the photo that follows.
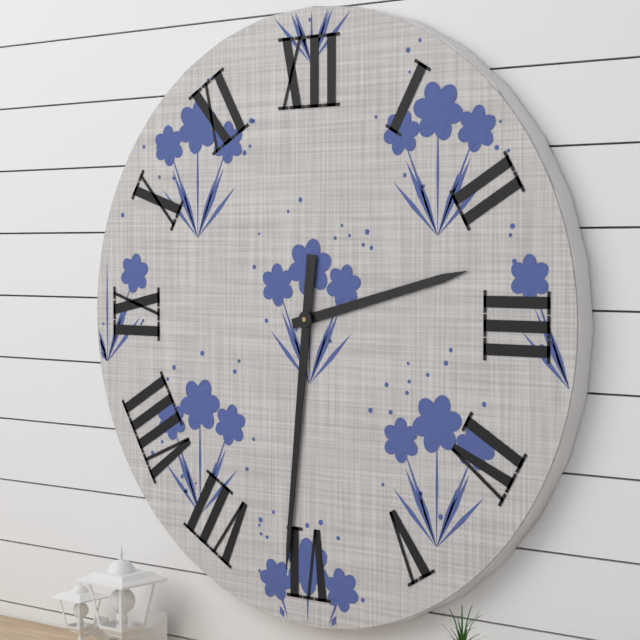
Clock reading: 2h31
